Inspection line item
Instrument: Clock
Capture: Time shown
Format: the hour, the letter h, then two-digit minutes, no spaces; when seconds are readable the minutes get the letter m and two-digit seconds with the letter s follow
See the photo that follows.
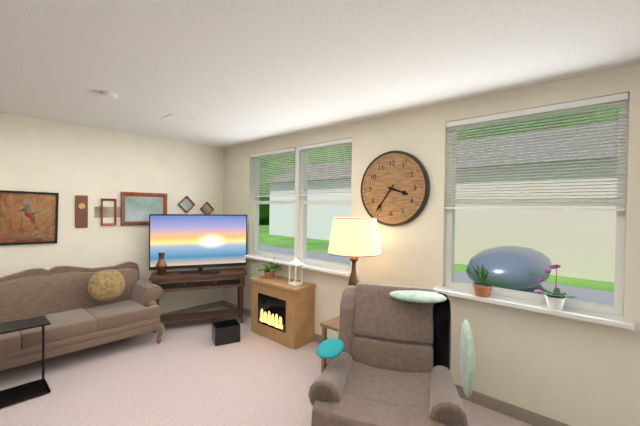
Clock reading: 3h36
